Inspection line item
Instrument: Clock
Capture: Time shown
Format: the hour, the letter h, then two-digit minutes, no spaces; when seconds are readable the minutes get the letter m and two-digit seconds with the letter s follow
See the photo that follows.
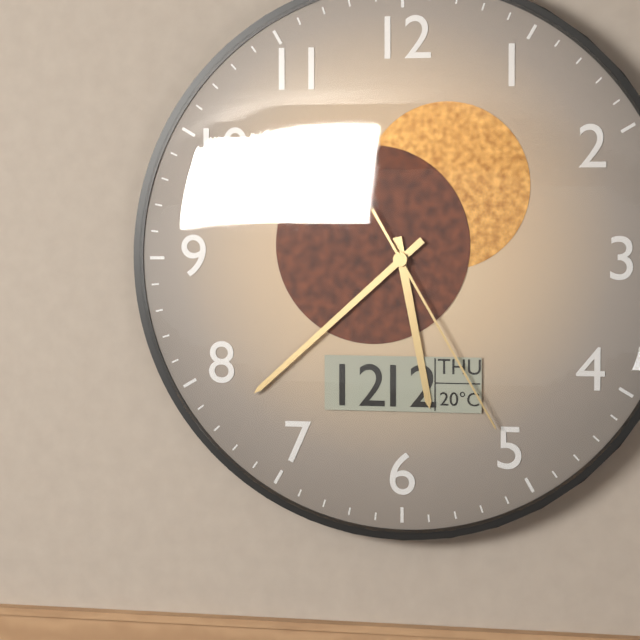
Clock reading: 5h38m25s
